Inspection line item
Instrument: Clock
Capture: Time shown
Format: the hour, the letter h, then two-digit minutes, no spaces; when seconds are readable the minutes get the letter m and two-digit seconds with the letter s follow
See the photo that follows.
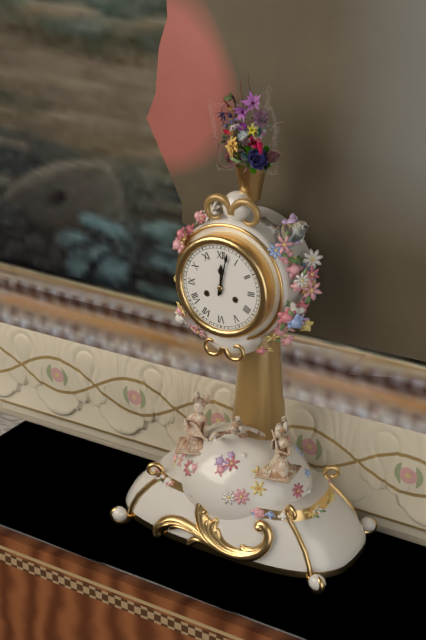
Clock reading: 12h02
